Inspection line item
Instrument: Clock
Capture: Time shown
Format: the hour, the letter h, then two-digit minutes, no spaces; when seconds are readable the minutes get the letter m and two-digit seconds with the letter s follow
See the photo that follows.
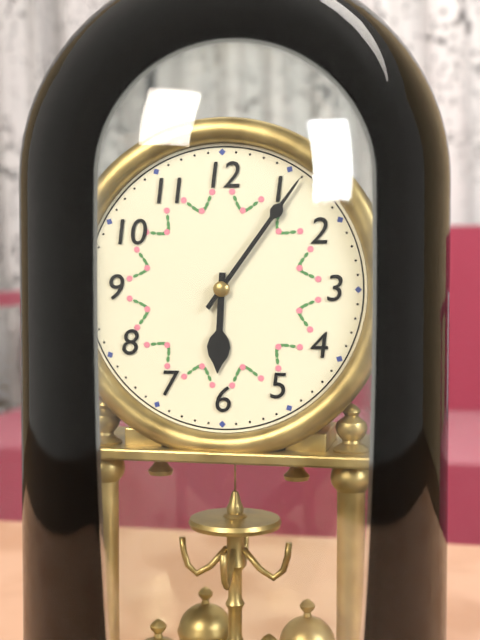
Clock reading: 6h06
